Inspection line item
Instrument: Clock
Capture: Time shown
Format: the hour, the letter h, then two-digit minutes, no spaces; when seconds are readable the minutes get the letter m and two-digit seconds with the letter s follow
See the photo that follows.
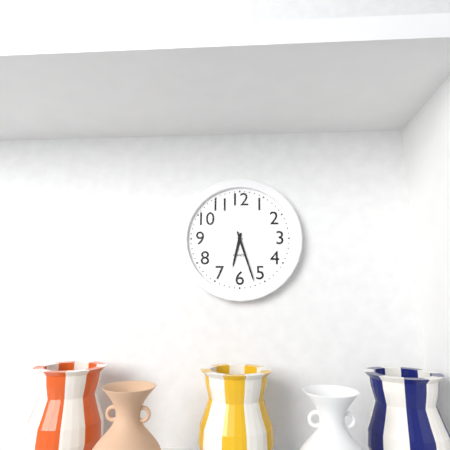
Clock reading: 6h27
